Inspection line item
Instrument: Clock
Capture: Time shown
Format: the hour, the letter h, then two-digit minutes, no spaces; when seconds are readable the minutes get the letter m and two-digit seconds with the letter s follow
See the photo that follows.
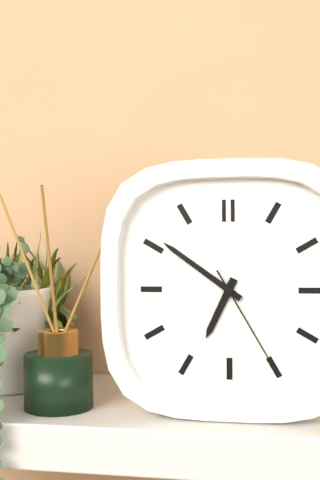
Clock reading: 6h51m25s
